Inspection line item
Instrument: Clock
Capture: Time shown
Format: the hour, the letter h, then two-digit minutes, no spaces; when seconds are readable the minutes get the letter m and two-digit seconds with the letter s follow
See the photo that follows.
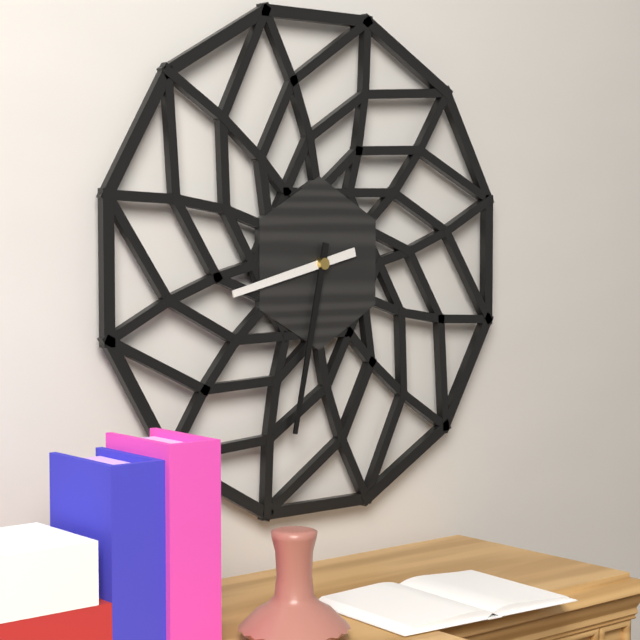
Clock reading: 8h32
